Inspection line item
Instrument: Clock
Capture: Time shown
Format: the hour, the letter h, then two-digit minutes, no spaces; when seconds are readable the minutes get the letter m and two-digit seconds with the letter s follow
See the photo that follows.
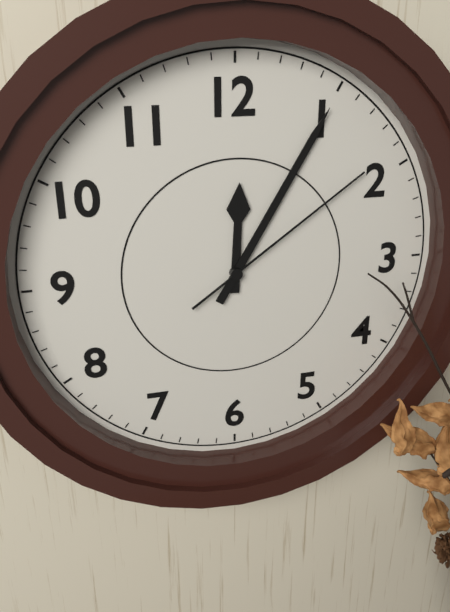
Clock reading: 12h05m09s
